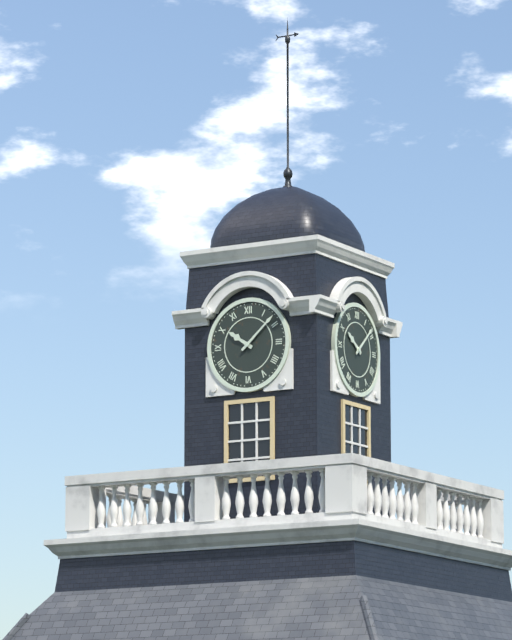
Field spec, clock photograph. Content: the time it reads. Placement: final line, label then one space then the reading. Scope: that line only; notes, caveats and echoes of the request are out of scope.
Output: 10:08
